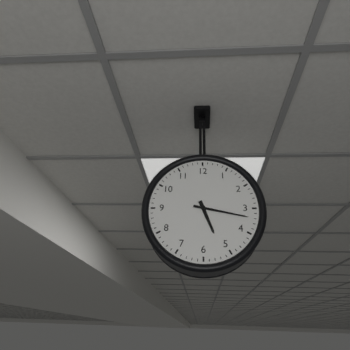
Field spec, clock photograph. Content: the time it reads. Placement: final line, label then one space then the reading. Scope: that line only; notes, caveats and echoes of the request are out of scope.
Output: 5:17
